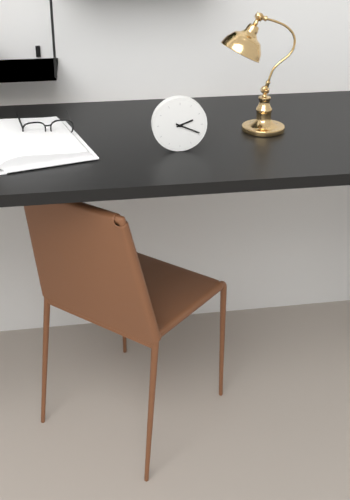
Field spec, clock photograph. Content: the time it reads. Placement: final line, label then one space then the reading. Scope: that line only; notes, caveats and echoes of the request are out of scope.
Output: 2:19
